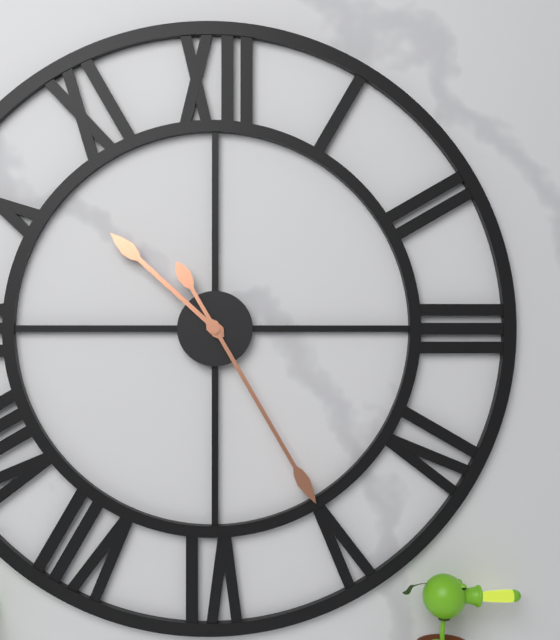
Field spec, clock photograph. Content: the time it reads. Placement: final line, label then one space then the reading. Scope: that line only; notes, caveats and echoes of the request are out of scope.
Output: 10:25
